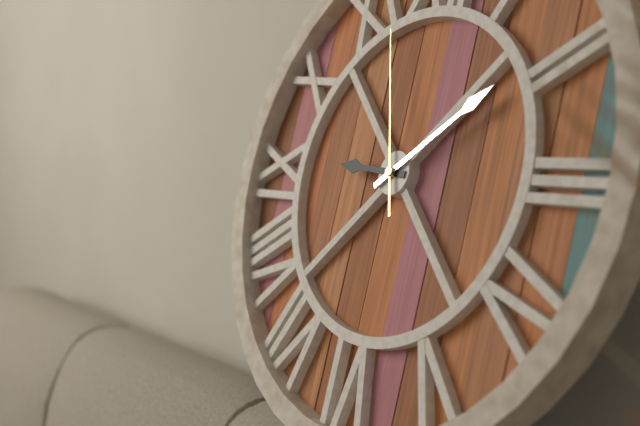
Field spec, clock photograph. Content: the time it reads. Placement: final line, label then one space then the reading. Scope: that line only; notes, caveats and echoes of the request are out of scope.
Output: 9:09:57
